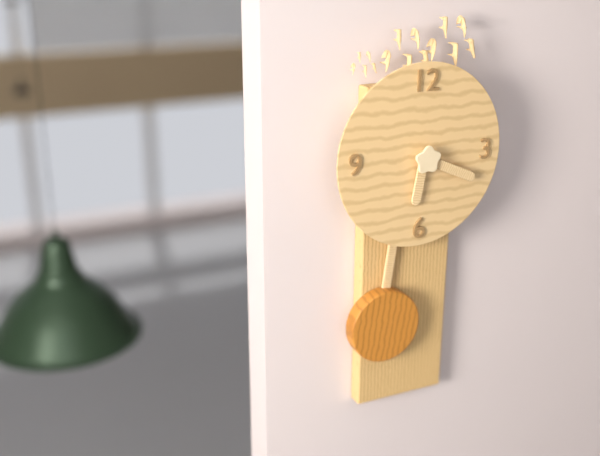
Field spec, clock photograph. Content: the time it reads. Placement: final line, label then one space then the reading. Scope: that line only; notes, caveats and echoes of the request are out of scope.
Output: 6:19
